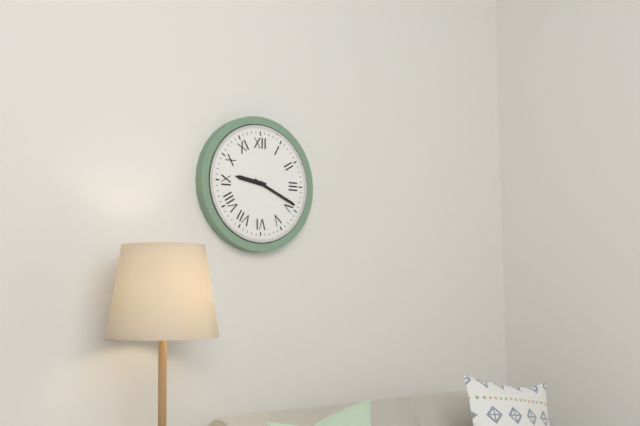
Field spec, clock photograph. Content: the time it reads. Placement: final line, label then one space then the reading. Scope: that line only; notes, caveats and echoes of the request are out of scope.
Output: 9:19
